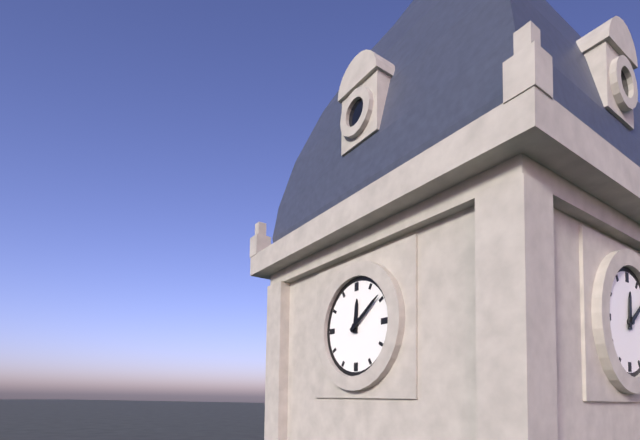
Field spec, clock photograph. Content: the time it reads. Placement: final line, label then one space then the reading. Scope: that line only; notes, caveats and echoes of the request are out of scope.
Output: 12:09
